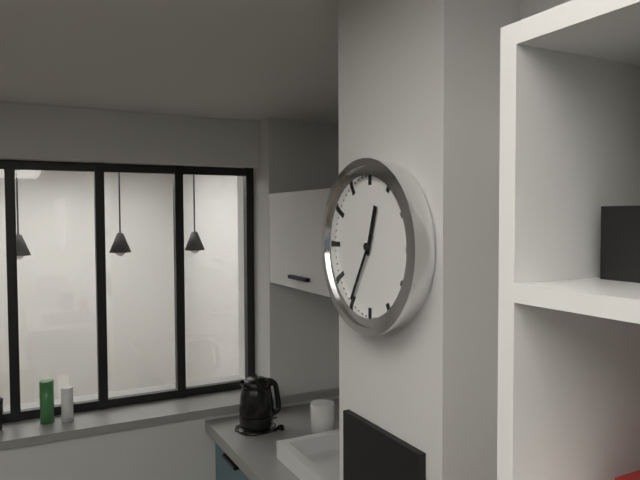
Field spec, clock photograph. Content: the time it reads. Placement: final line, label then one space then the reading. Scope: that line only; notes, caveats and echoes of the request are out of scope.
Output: 12:35
